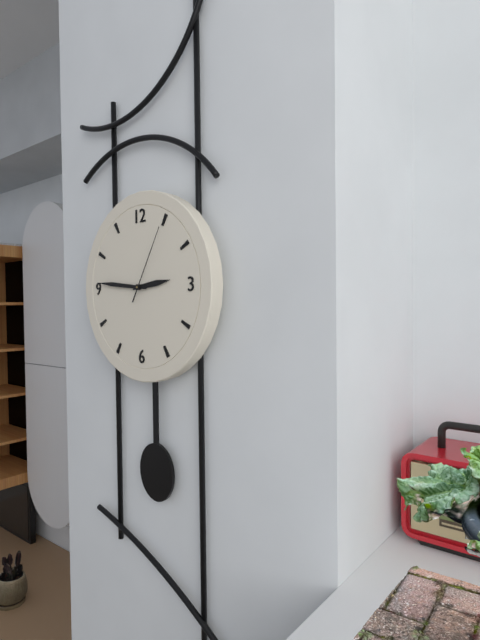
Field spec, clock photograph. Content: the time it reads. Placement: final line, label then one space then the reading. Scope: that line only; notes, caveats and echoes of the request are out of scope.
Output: 2:46:05
